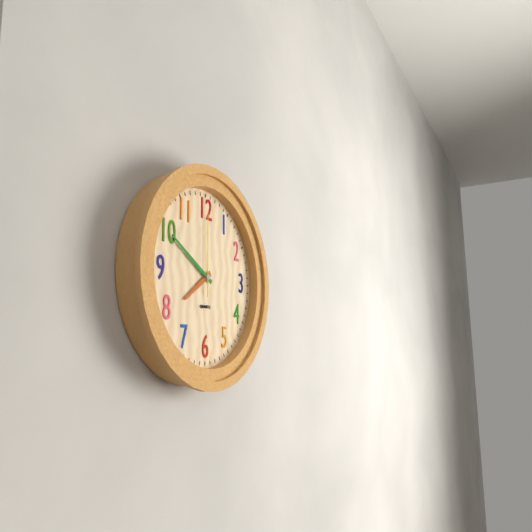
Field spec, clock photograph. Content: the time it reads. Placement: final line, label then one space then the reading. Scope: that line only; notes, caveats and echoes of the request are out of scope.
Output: 7:50:00
